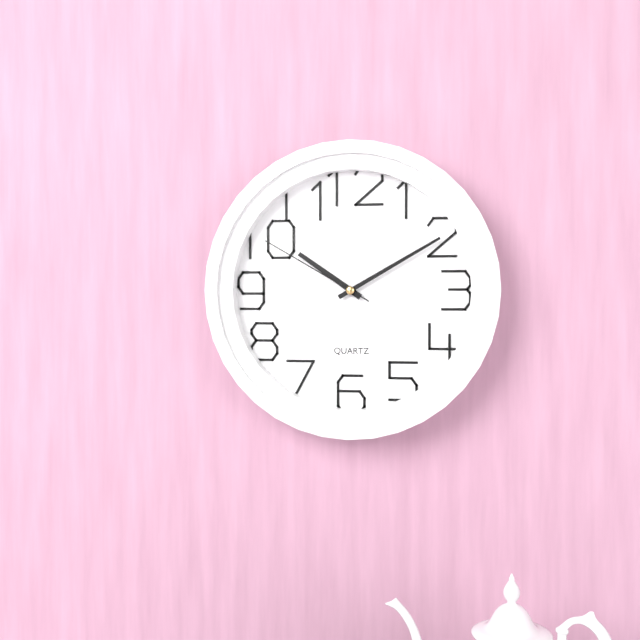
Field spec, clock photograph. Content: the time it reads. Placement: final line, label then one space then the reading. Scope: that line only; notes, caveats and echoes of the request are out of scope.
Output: 10:10:50
